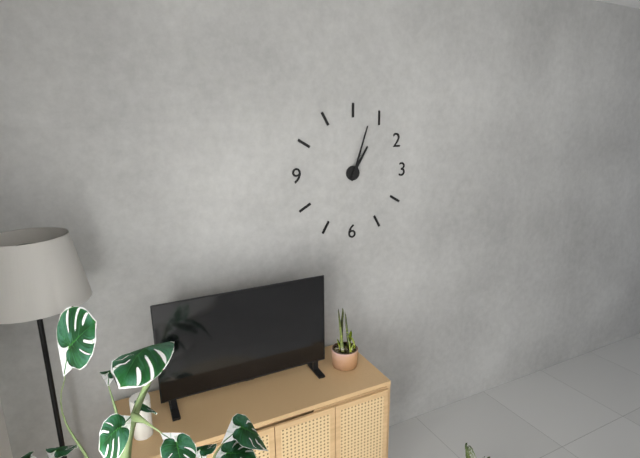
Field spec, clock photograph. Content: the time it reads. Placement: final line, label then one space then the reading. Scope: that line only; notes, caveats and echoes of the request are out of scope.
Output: 1:03
